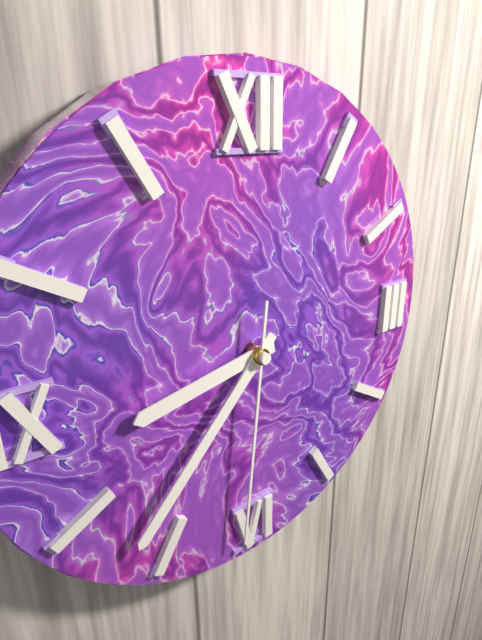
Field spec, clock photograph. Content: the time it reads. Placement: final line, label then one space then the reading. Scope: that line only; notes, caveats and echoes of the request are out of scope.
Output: 8:37:31
